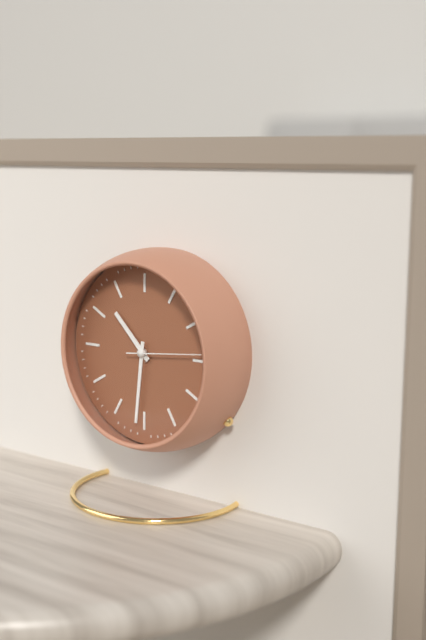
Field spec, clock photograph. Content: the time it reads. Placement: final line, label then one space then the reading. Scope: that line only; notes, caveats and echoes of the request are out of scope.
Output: 10:31:14
